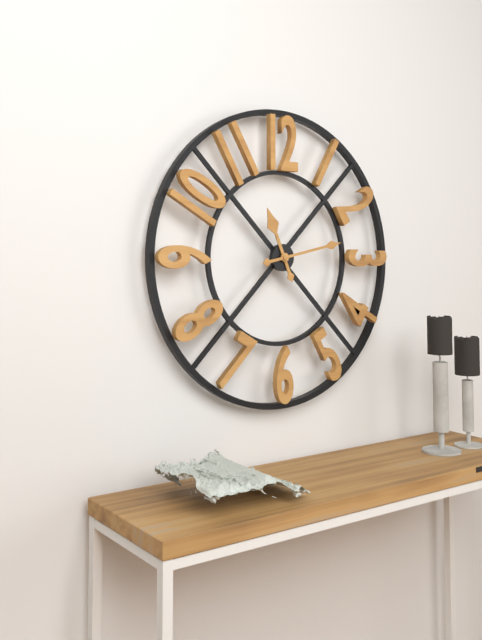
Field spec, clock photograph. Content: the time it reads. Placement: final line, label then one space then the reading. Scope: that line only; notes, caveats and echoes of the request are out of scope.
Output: 11:13
